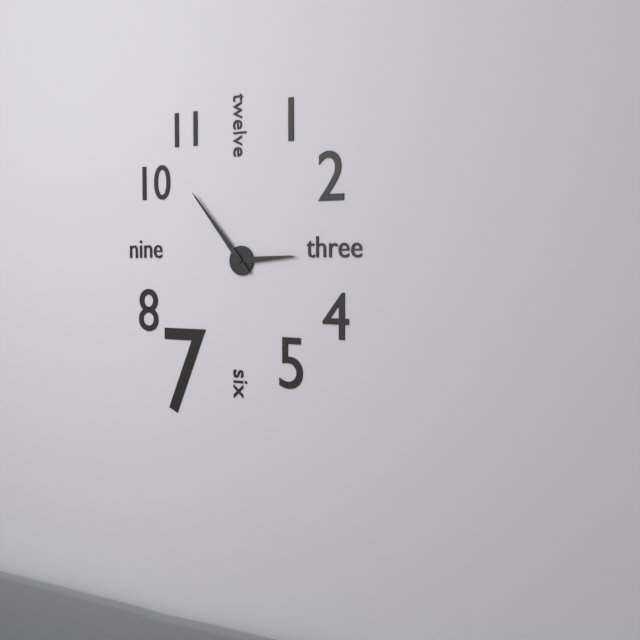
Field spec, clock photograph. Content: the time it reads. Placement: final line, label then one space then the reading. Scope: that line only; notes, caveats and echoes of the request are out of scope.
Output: 2:53
